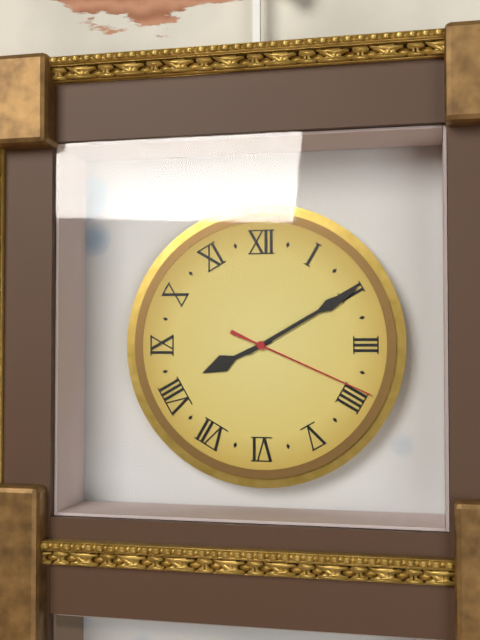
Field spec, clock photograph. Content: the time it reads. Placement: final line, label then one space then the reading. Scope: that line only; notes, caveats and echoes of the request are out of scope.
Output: 8:10:19
